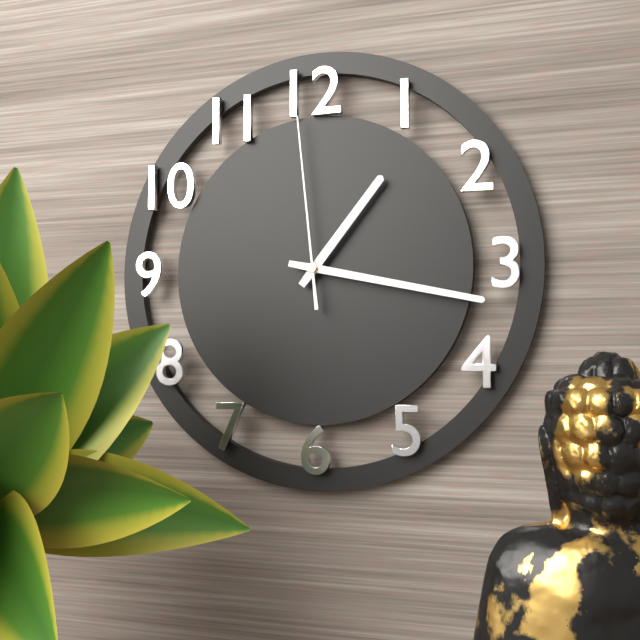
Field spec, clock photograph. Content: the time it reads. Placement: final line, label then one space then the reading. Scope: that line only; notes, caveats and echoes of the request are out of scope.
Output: 1:17:59
